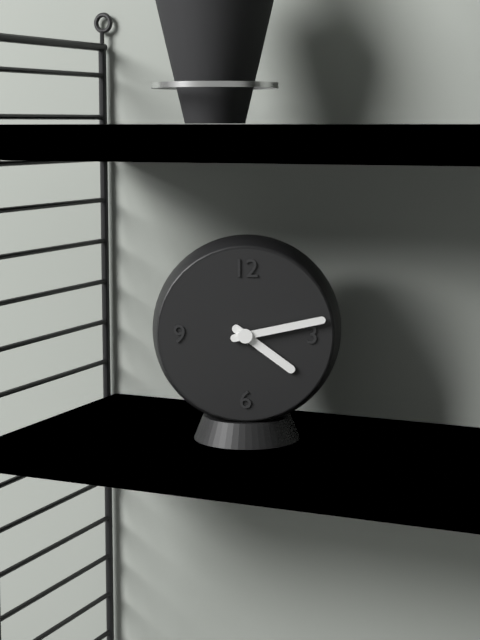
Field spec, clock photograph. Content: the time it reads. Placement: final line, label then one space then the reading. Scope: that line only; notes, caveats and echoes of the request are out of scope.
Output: 4:13
